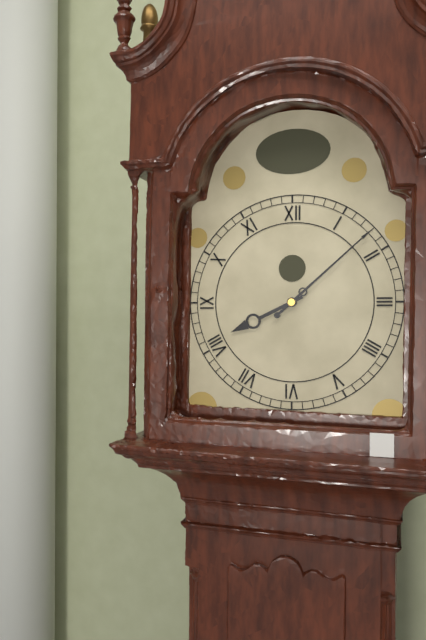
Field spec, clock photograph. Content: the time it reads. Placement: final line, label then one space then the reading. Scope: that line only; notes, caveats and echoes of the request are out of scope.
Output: 8:08
